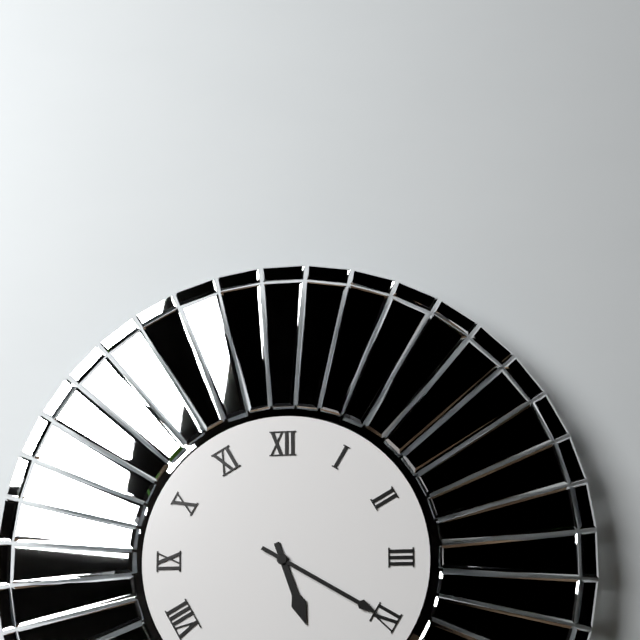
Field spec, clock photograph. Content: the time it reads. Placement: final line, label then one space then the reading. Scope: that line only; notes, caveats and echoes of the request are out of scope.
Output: 5:20
